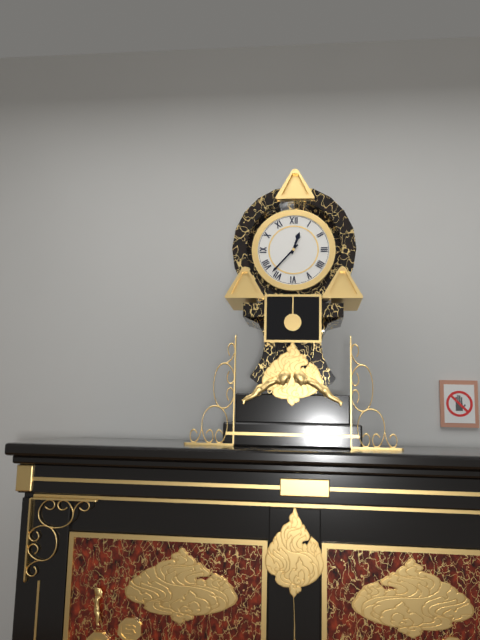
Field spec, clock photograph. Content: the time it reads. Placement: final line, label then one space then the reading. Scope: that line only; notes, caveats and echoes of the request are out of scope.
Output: 12:37
